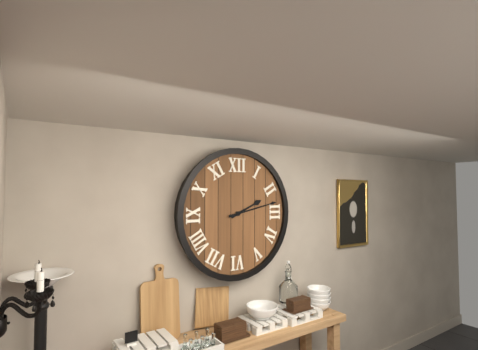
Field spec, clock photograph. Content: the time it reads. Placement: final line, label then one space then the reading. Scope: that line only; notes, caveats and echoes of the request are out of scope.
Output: 2:13
